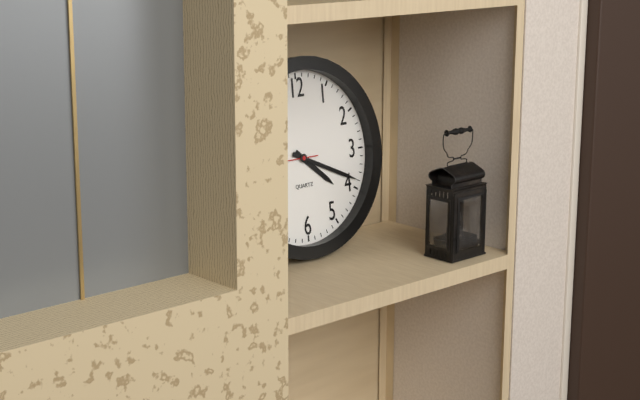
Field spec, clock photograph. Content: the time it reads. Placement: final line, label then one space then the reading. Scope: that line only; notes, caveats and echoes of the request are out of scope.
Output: 4:19
